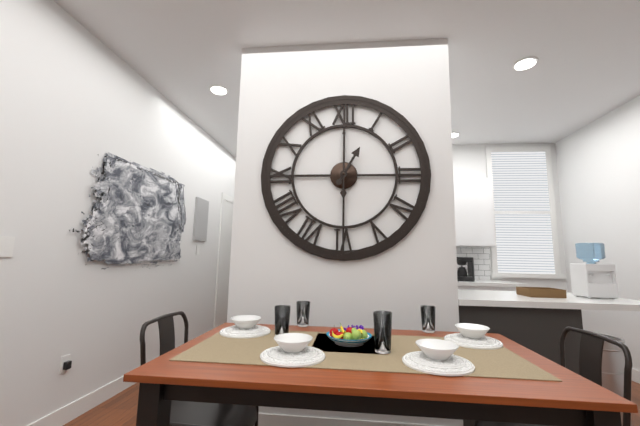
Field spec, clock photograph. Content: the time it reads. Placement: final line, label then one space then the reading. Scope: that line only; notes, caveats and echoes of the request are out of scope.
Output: 1:00
